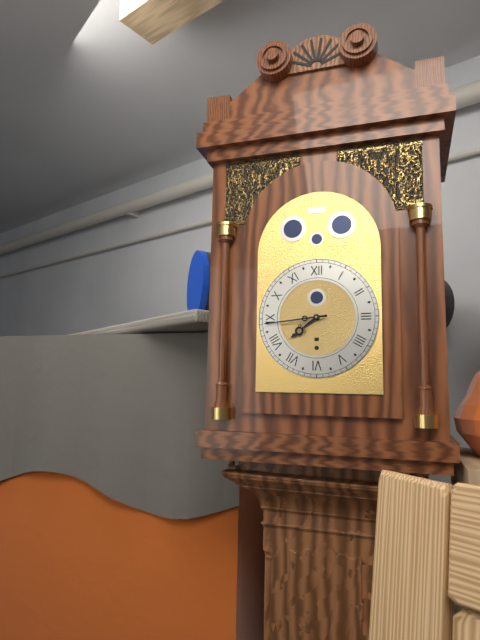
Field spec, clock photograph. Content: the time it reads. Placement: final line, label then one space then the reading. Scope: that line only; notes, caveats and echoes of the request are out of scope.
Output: 7:44
